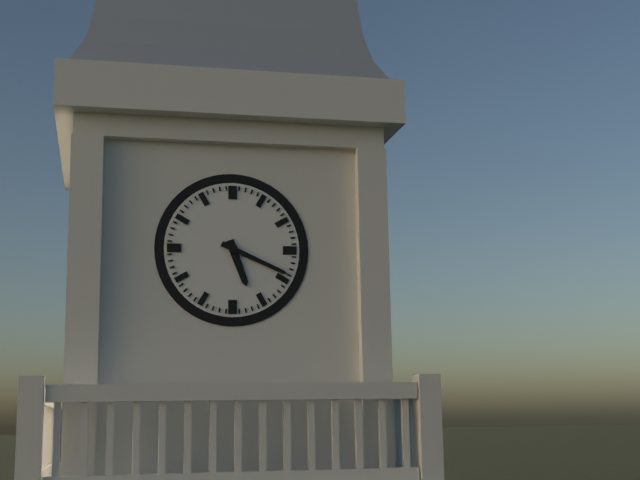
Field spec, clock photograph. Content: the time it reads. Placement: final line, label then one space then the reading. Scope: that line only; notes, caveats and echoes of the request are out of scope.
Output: 5:19
